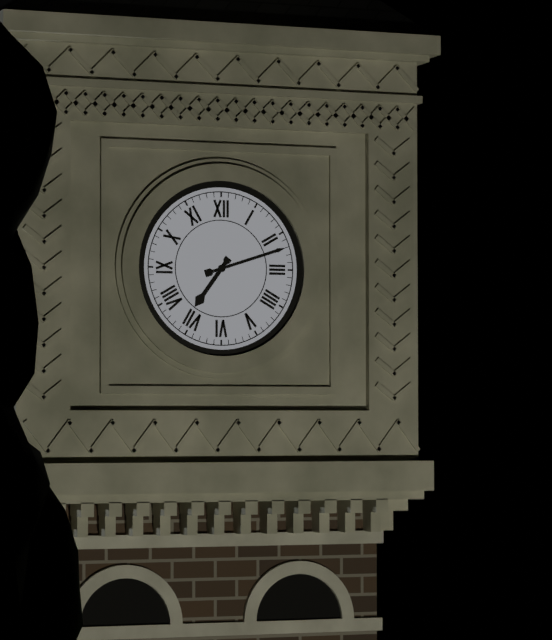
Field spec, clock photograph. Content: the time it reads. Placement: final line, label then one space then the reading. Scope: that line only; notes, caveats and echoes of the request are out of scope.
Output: 7:12
